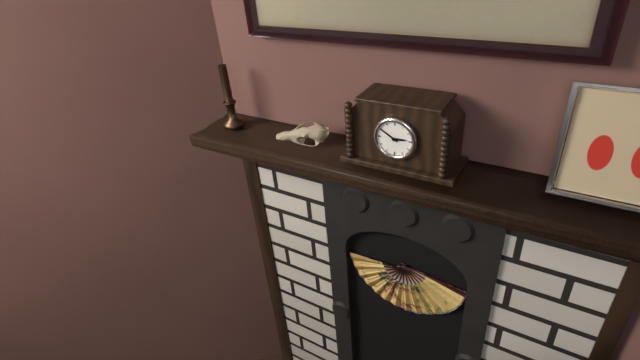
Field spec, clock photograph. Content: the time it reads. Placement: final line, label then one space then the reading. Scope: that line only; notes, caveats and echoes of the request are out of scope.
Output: 2:50
